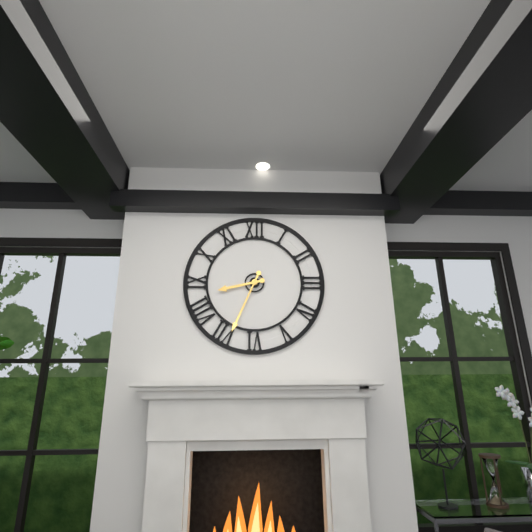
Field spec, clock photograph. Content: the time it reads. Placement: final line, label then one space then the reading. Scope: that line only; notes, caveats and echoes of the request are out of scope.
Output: 8:34
